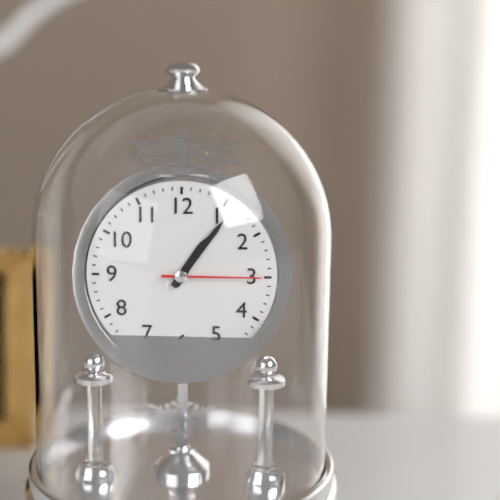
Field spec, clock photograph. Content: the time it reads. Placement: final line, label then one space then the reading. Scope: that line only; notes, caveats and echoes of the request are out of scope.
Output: 1:06:15
